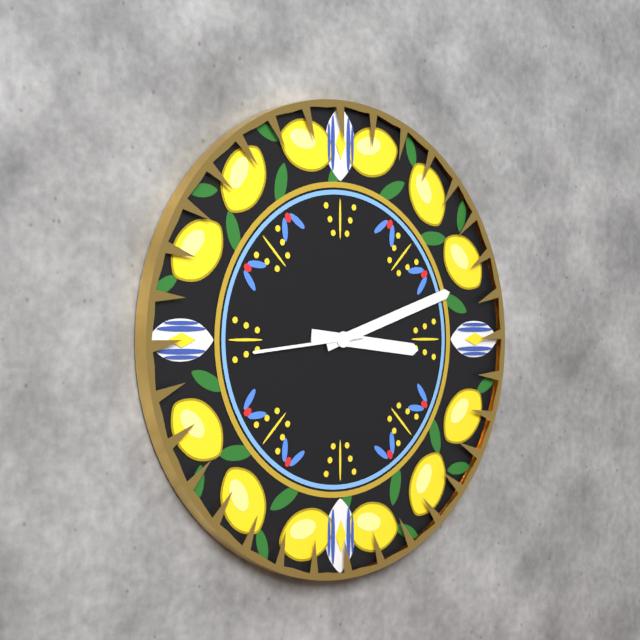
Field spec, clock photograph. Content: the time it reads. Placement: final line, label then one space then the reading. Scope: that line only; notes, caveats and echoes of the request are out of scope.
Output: 3:12:44
